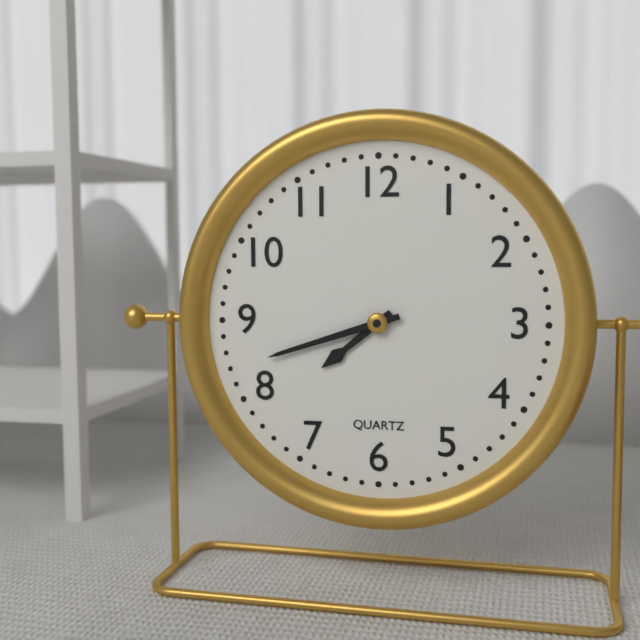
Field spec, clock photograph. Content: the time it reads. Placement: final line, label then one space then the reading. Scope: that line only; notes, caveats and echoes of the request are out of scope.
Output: 7:42
